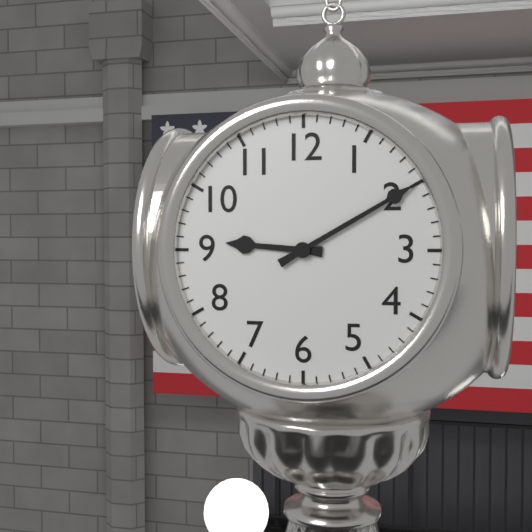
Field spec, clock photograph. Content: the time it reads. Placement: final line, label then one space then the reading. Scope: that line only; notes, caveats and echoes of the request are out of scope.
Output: 9:10
